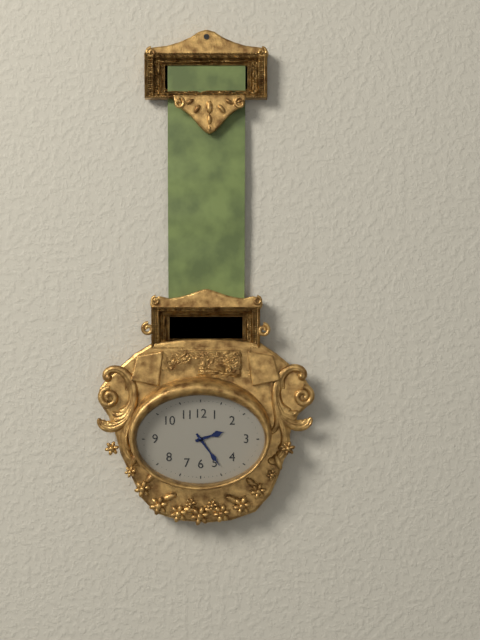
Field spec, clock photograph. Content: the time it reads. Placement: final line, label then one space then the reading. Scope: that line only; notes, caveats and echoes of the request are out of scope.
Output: 2:24
